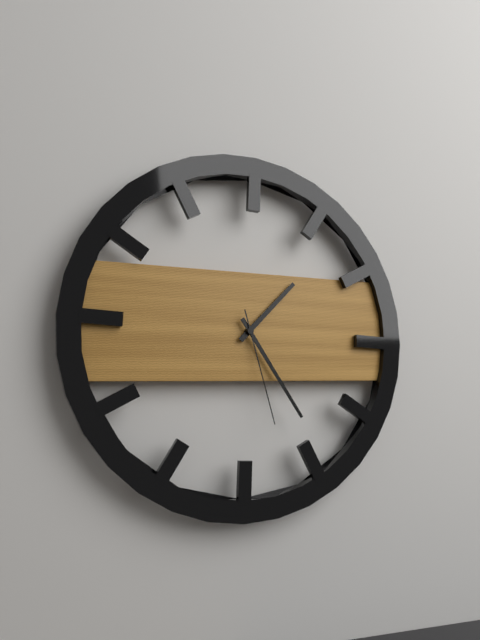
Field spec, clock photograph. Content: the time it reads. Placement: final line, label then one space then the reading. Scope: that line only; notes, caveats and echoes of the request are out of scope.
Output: 1:24:27
